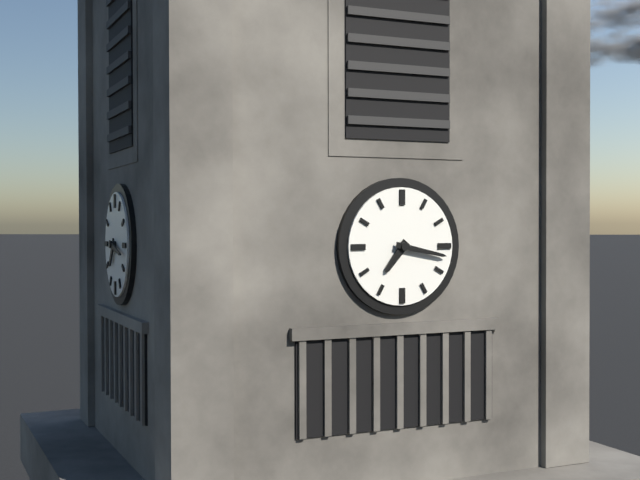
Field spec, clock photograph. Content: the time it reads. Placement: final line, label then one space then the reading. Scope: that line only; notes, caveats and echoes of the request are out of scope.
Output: 7:17
